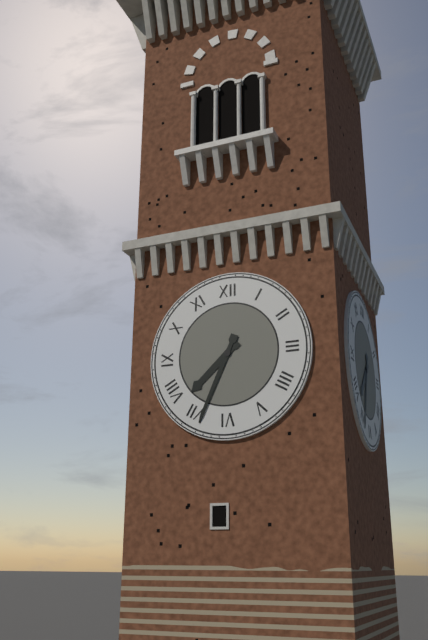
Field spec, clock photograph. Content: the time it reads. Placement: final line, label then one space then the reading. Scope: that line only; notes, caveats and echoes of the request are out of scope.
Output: 7:34
